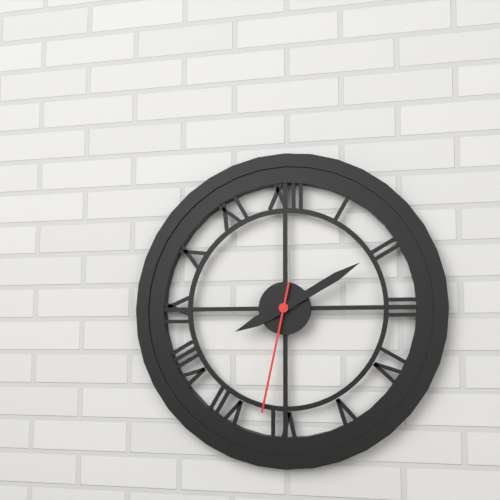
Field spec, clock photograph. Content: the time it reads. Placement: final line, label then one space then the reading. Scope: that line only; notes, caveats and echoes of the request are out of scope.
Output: 8:10:32
